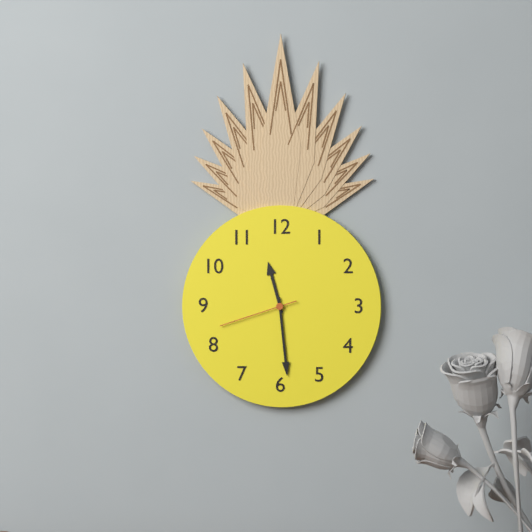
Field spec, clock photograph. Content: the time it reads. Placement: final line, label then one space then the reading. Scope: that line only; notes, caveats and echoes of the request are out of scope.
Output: 11:29:42
